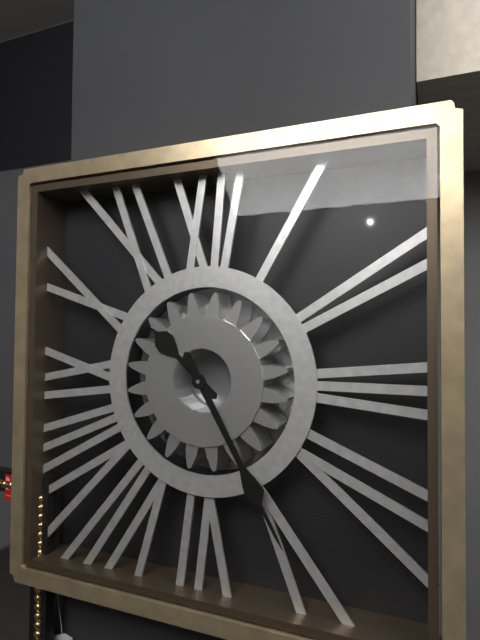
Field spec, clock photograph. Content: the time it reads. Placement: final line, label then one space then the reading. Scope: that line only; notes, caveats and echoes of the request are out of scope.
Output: 10:25
